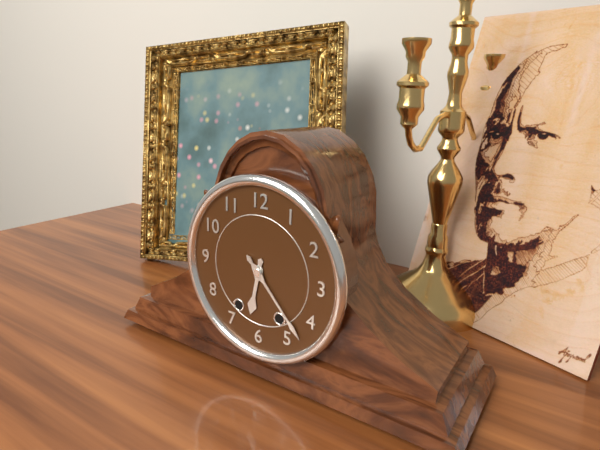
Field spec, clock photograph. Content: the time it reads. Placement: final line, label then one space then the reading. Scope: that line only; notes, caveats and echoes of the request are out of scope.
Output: 6:23
